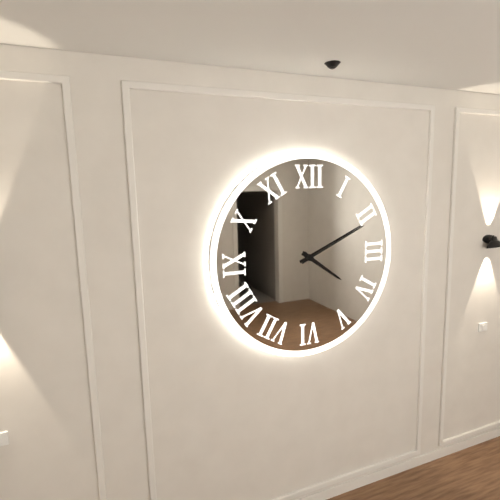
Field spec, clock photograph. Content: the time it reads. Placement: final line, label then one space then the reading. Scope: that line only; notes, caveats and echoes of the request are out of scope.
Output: 4:11
